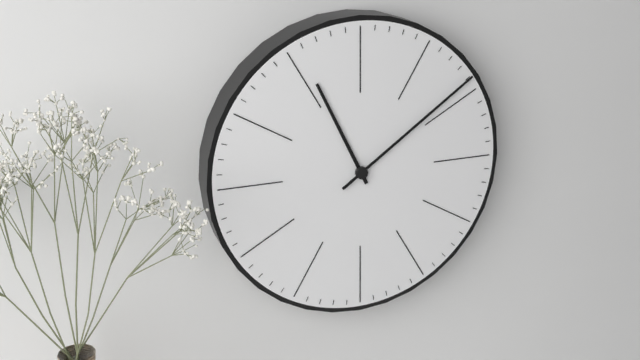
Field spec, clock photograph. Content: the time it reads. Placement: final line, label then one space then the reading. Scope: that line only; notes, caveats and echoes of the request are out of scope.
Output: 11:09
